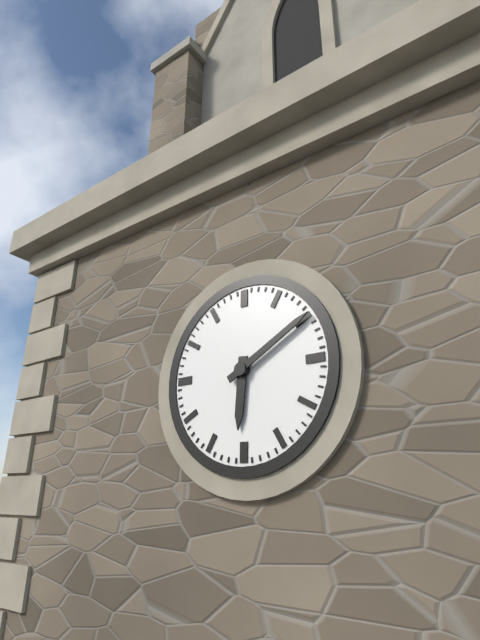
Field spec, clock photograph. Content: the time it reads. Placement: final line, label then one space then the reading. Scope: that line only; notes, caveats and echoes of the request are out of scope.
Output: 6:10
